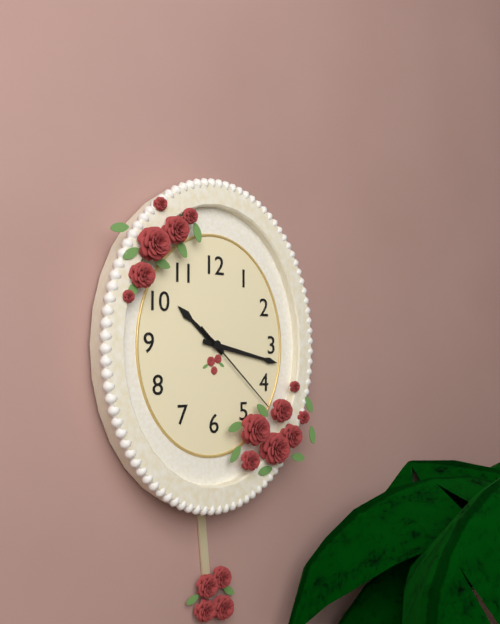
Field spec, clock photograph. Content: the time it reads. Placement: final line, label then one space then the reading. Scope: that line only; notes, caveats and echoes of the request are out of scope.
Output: 10:17:22
